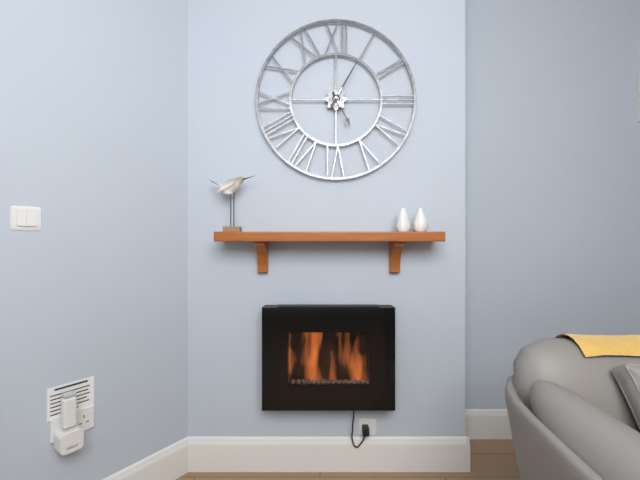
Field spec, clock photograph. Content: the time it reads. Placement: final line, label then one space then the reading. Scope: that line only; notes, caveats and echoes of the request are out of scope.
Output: 5:05
